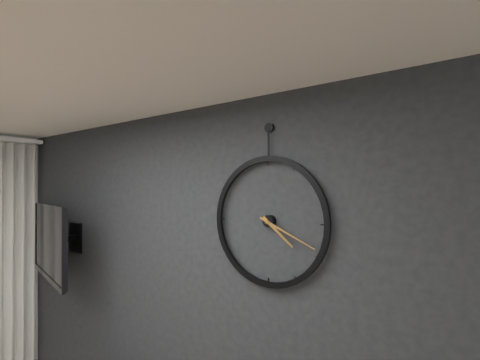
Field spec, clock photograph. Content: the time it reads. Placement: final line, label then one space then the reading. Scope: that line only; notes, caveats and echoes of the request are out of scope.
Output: 4:19
